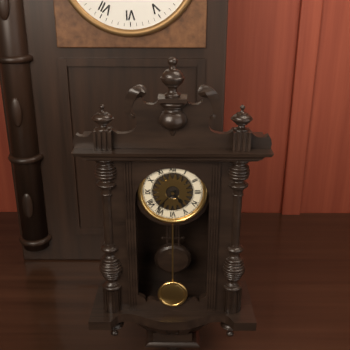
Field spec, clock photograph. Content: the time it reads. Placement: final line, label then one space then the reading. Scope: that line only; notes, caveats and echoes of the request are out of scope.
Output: 4:37
